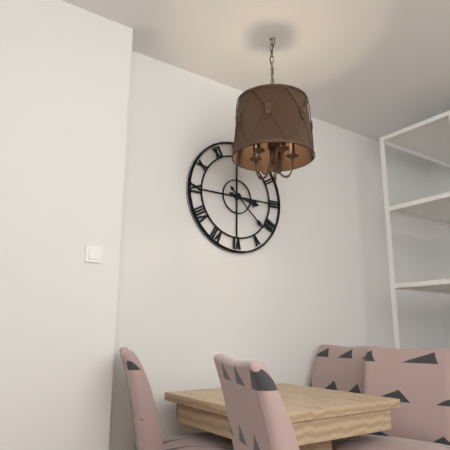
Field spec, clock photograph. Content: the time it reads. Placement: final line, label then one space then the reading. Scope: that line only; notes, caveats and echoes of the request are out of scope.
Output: 3:22
